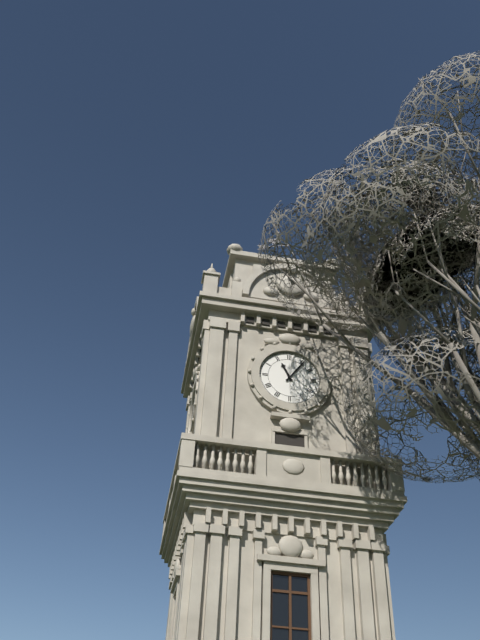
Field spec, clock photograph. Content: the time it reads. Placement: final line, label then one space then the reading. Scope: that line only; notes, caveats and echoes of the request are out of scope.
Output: 11:06
